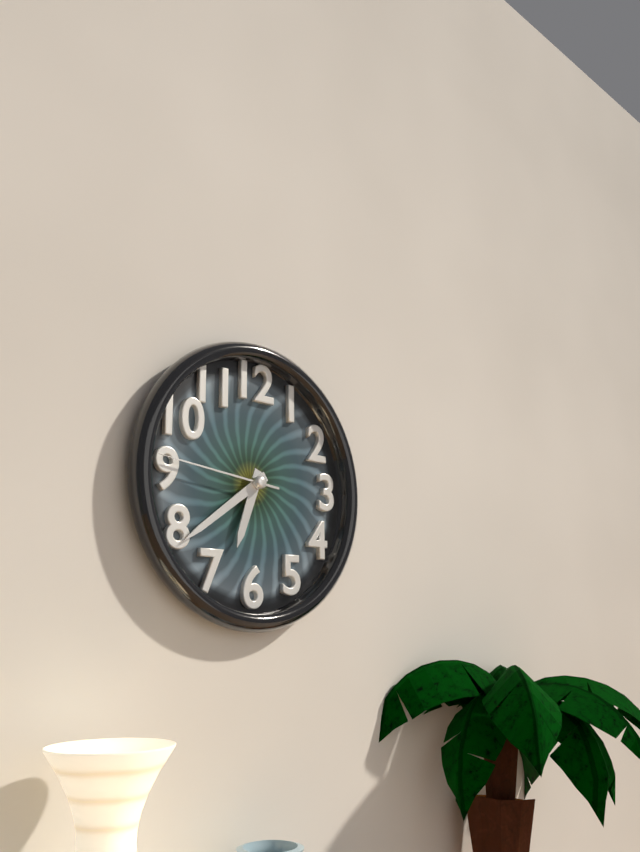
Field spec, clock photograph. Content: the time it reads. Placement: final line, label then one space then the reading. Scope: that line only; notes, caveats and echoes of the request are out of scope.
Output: 6:39:46
